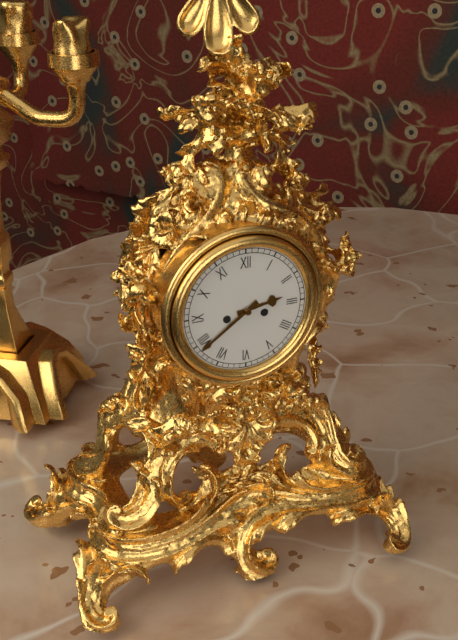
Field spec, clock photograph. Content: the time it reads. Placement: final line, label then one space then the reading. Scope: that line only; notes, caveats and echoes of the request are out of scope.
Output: 2:39
